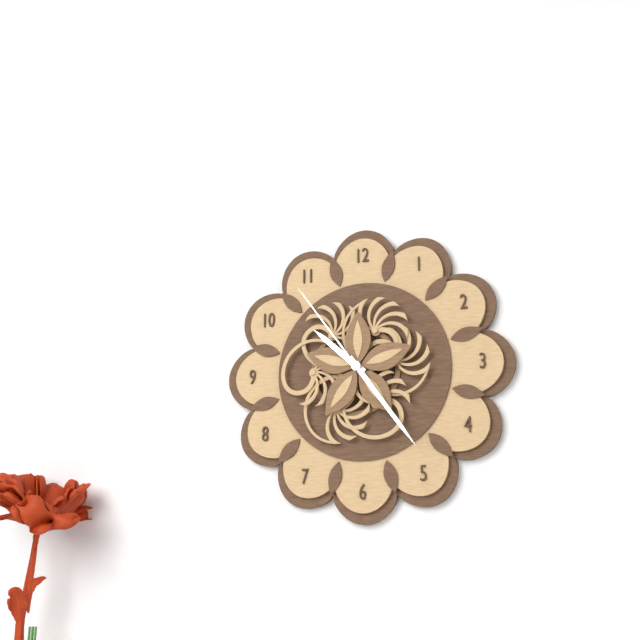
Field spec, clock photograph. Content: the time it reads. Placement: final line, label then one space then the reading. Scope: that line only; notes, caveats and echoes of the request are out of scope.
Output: 10:24:54
